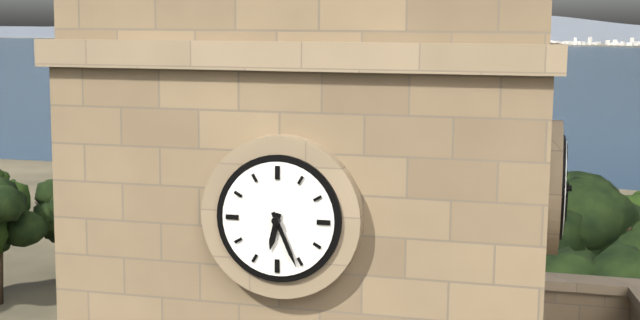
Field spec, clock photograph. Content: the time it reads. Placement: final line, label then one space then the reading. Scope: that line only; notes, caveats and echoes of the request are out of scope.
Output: 6:26
